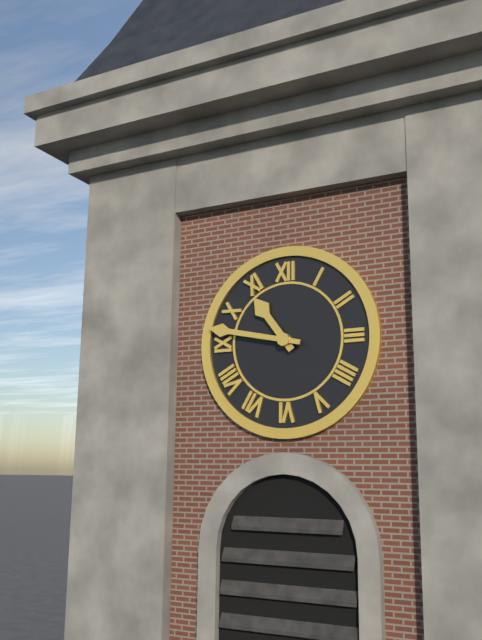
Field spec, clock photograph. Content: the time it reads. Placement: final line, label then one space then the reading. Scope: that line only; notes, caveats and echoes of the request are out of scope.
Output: 10:47
